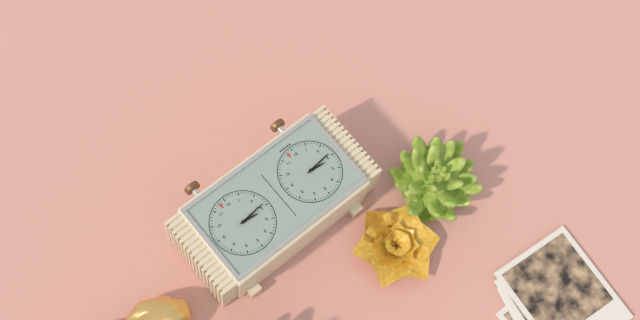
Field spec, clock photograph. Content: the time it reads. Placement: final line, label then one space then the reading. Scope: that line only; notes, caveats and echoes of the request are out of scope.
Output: 3:14
